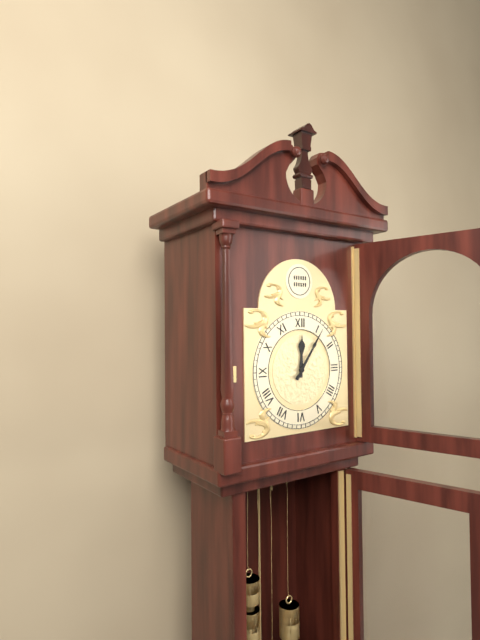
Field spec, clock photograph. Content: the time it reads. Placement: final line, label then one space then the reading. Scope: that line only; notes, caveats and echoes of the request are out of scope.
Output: 12:06
